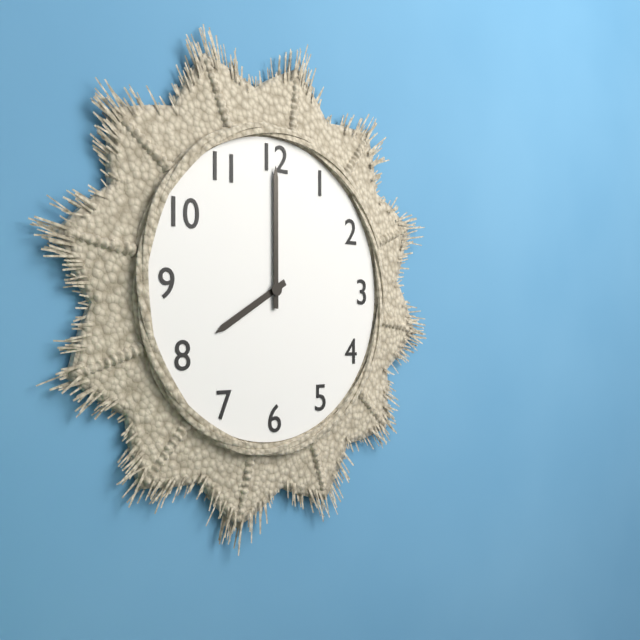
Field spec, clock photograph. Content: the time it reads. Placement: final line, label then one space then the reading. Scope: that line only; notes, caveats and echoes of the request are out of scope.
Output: 8:00
